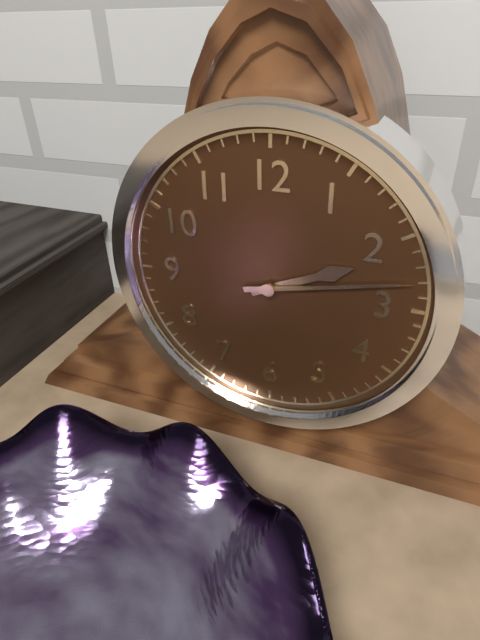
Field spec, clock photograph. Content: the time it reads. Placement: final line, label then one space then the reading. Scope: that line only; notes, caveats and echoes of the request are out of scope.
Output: 2:13
